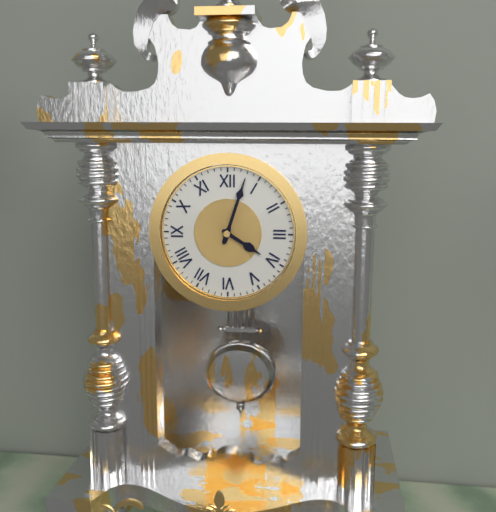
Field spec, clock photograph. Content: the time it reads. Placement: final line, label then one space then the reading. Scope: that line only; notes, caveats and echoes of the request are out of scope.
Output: 4:03
